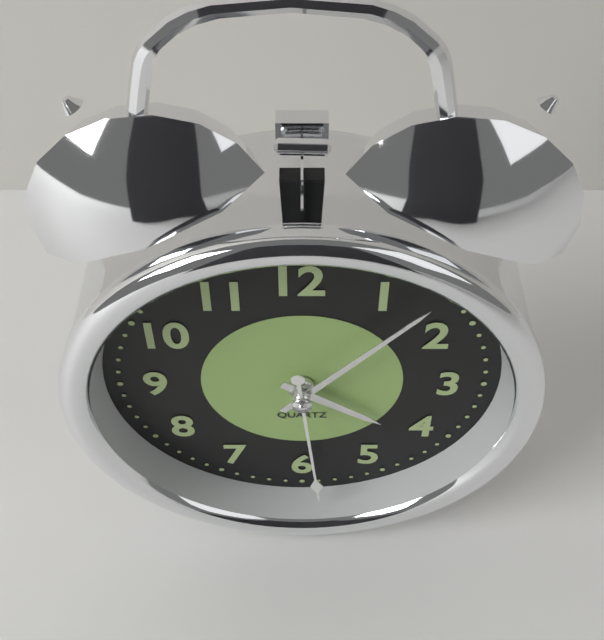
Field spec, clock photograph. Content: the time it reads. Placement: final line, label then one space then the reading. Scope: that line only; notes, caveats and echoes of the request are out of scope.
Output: 4:07:29
